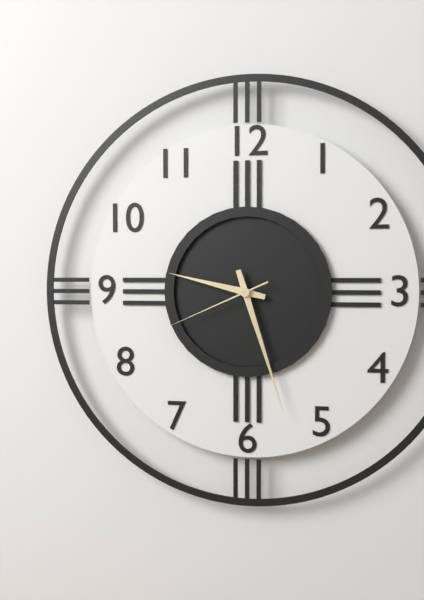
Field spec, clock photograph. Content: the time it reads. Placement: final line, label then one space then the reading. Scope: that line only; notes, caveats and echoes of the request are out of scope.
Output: 9:27:41
